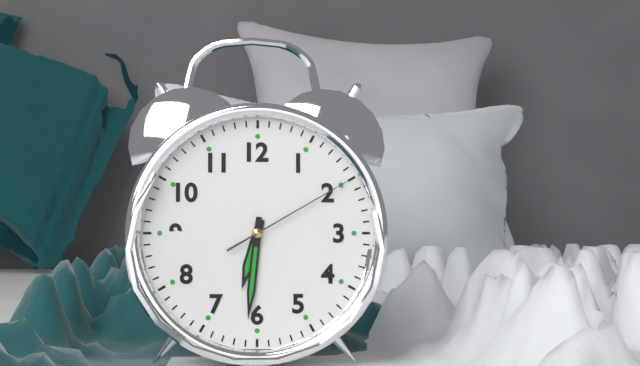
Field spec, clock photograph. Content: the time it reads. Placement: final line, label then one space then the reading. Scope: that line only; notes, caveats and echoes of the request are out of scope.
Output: 6:31:10
